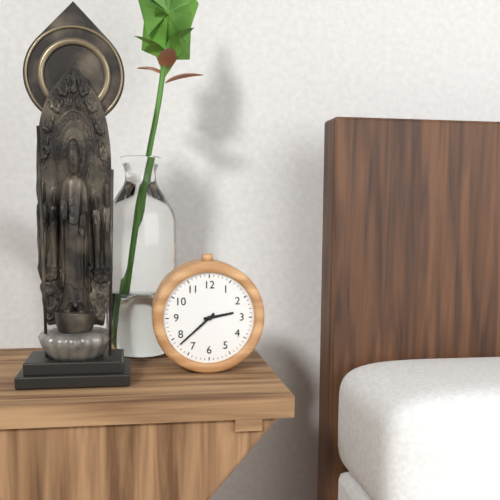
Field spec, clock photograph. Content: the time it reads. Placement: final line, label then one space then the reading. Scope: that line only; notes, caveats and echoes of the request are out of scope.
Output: 2:38
